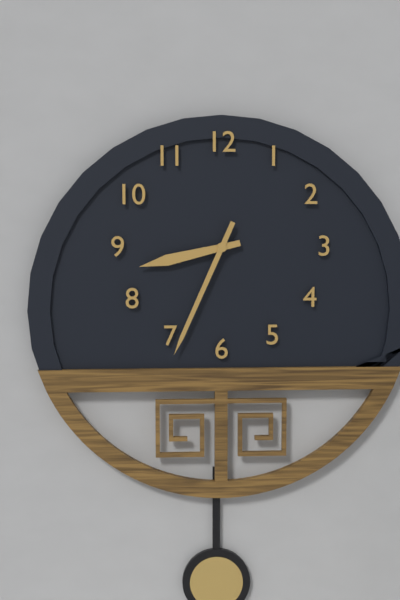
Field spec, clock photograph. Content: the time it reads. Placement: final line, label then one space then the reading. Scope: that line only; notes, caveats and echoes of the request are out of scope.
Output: 8:34
